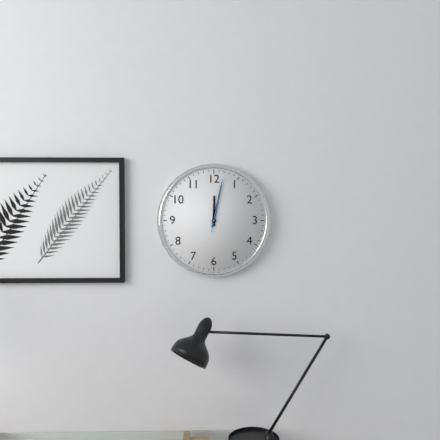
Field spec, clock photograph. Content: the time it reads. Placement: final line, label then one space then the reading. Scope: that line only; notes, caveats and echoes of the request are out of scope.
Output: 12:02:02
